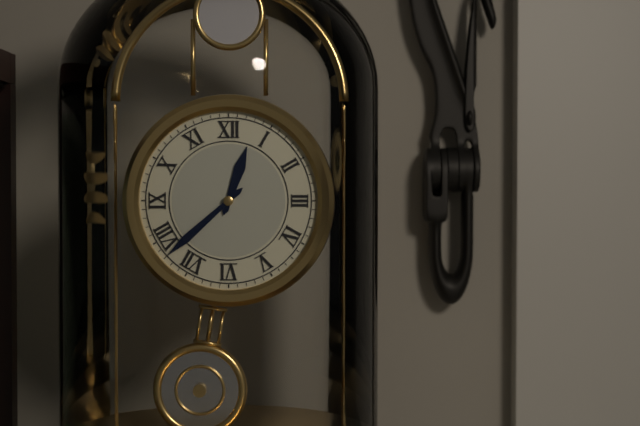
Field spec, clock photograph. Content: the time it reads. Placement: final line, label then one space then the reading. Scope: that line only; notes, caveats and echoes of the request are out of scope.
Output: 12:38
